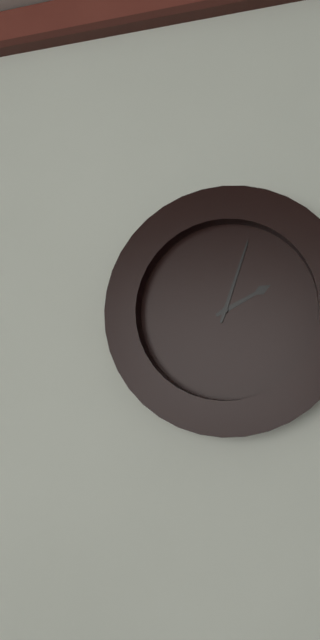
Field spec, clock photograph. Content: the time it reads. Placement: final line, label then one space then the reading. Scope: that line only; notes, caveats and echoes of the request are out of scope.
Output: 2:03
